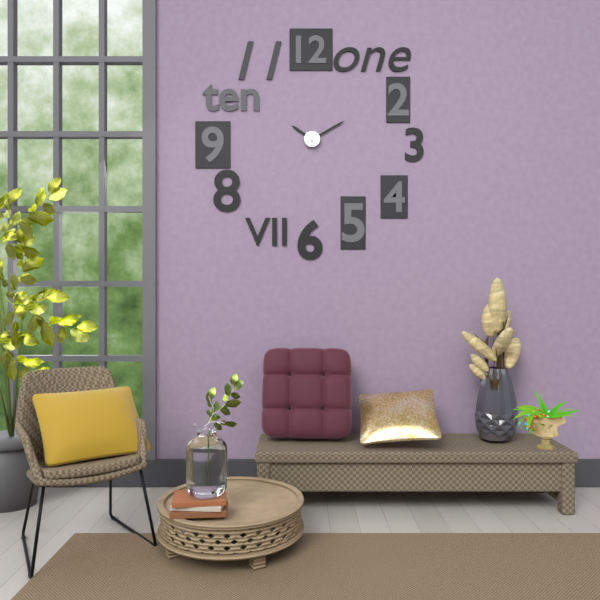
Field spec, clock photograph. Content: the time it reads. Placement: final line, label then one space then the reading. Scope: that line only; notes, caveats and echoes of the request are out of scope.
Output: 10:10
